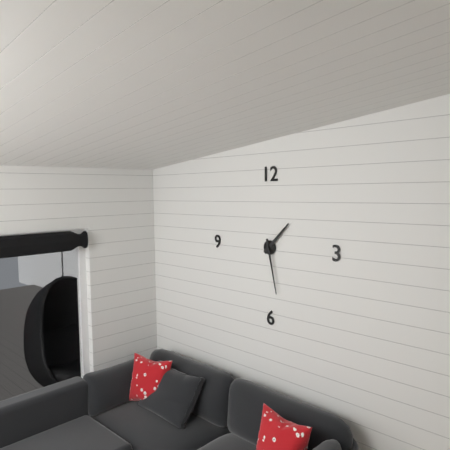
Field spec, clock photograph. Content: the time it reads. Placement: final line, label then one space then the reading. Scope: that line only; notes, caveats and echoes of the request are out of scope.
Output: 1:28
